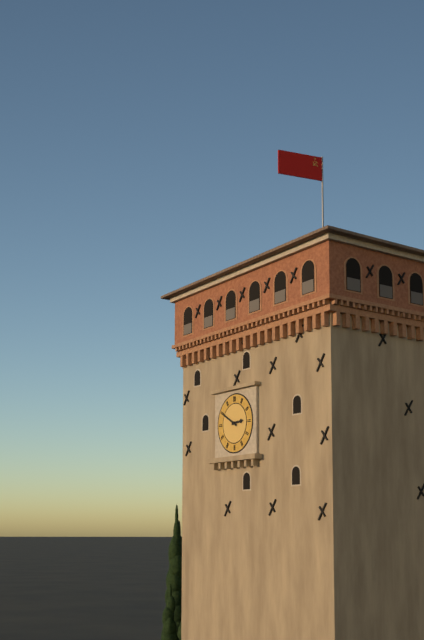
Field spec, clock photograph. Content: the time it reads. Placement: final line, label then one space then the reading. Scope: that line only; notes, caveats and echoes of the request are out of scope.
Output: 2:50
